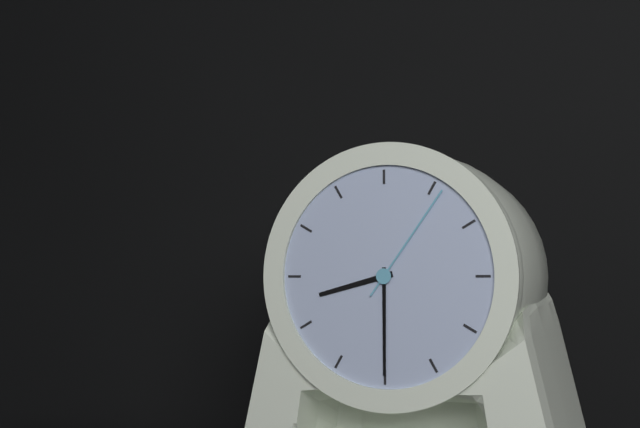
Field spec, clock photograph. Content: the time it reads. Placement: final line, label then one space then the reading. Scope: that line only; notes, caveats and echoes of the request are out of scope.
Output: 8:30:06
